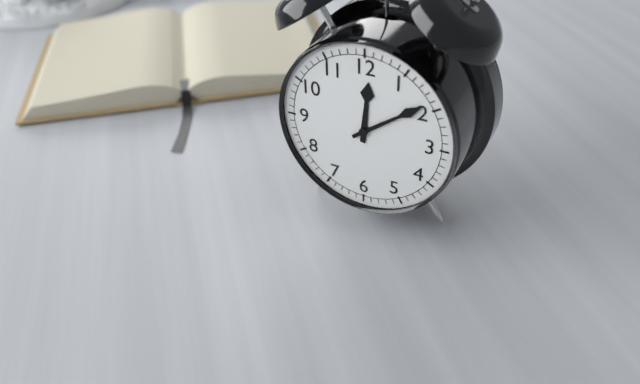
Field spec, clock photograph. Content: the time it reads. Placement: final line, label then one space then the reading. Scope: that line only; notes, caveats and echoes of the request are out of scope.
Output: 12:09
